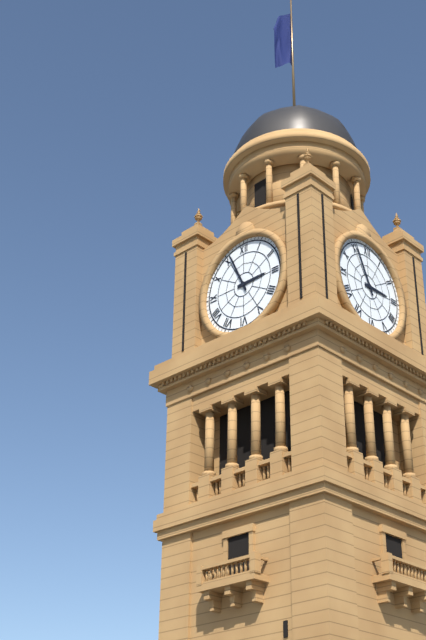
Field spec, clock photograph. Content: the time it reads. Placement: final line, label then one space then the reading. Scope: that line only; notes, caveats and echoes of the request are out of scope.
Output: 2:56
